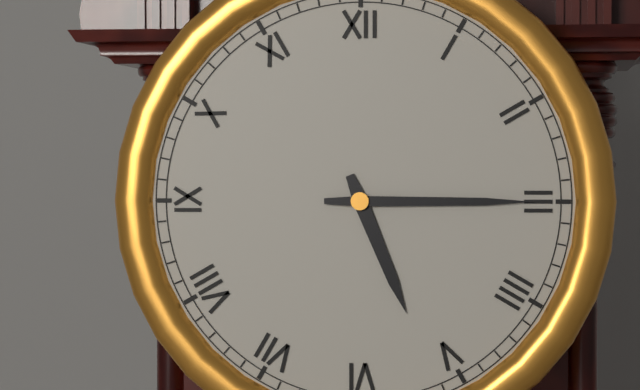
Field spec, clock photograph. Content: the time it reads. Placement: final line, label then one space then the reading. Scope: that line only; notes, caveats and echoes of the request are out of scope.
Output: 5:15
